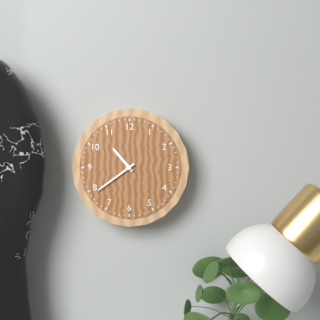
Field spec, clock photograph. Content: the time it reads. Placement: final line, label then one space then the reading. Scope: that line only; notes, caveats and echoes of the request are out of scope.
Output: 10:39
